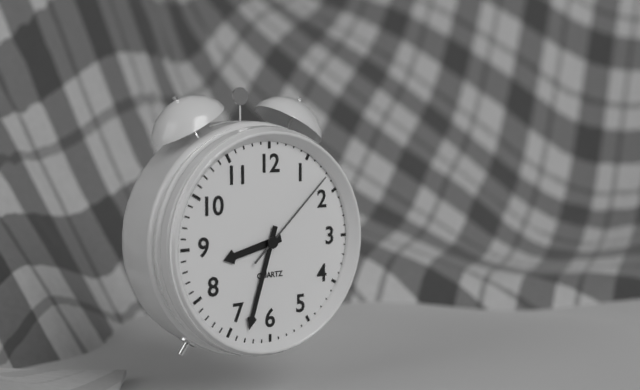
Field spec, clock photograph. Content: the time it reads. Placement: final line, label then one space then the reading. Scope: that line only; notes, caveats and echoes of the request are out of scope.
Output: 8:33:08
